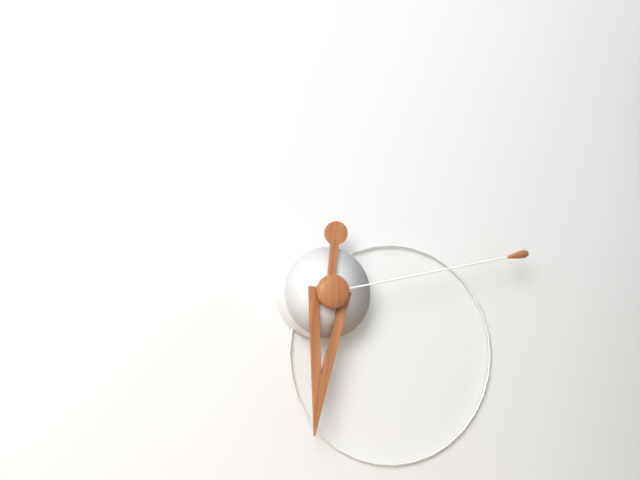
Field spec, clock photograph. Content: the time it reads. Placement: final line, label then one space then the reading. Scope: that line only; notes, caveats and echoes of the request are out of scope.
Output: 6:13
